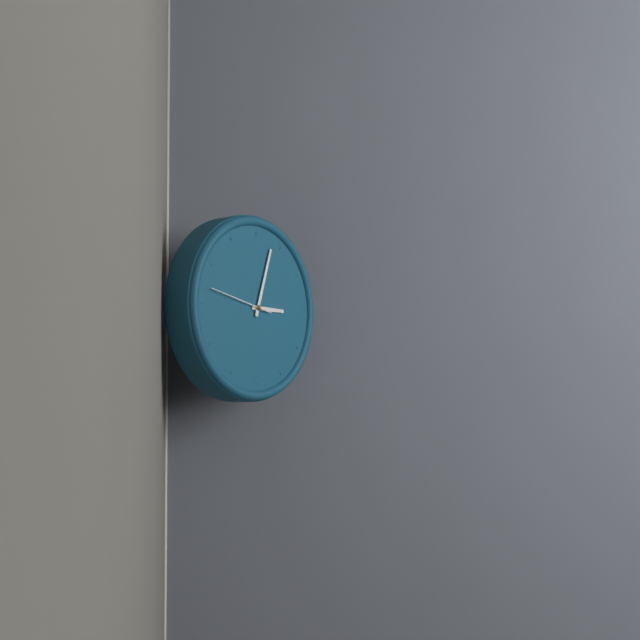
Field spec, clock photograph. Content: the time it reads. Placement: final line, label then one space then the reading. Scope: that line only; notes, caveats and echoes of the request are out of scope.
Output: 3:03:47
